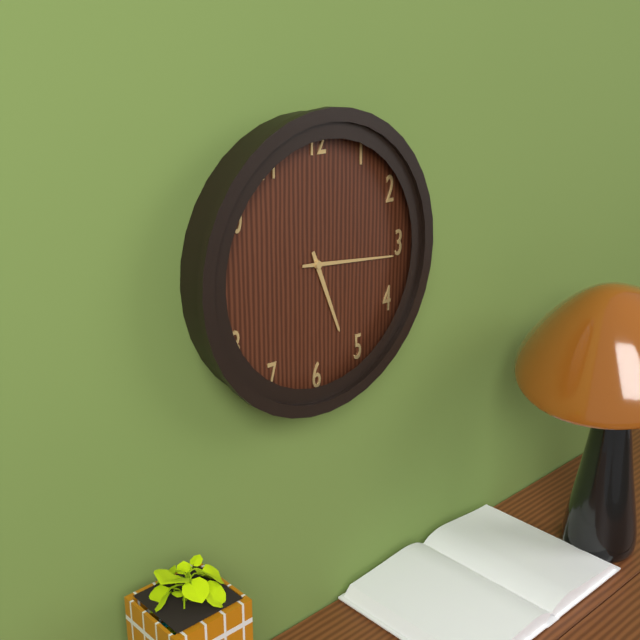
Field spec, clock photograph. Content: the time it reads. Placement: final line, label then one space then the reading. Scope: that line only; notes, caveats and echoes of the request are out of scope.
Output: 5:16
